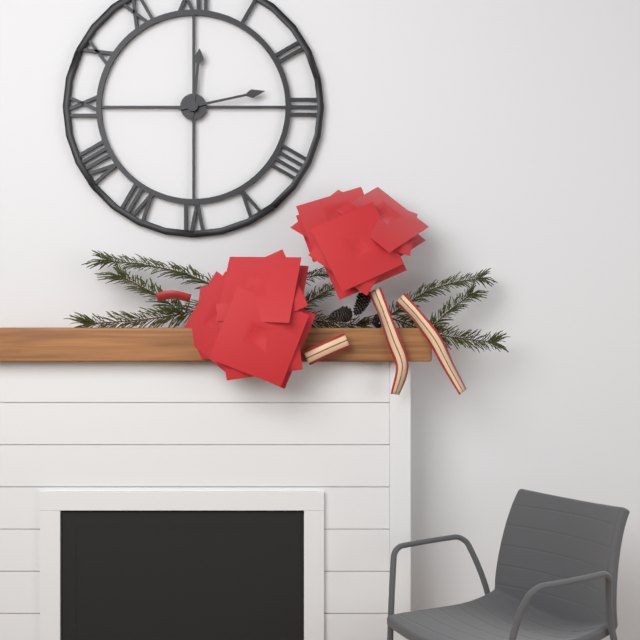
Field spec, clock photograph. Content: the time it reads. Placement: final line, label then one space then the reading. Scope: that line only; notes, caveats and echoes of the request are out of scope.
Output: 12:13
